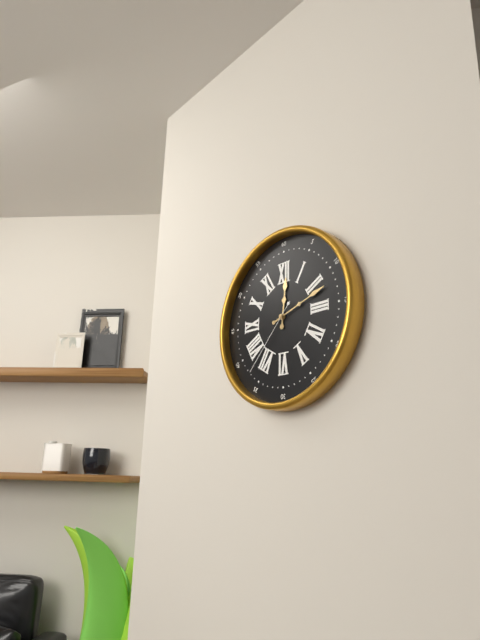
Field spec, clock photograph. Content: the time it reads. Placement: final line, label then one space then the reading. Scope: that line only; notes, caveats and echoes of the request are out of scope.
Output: 12:12:37
